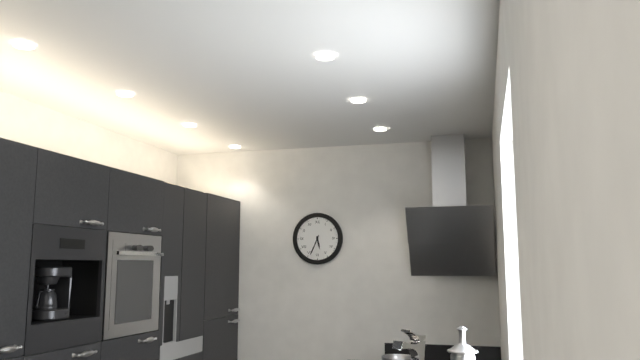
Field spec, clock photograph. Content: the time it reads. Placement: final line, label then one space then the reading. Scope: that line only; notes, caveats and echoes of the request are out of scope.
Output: 5:34
